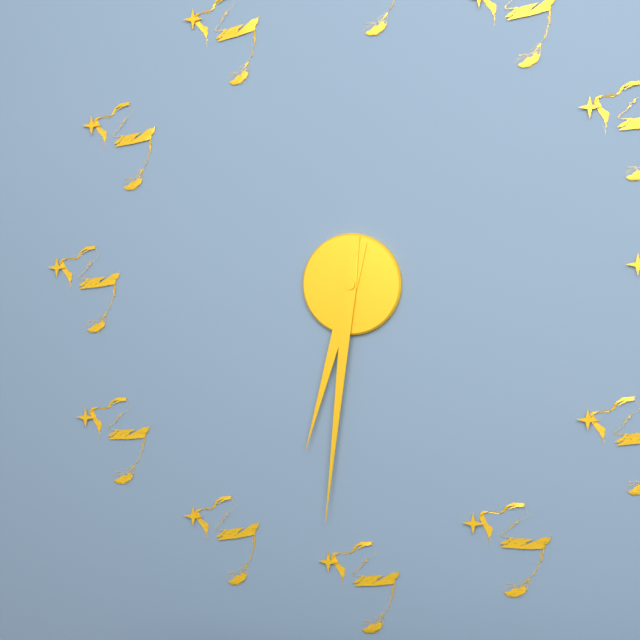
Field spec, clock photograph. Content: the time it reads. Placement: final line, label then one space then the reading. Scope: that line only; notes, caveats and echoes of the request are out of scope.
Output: 6:31
